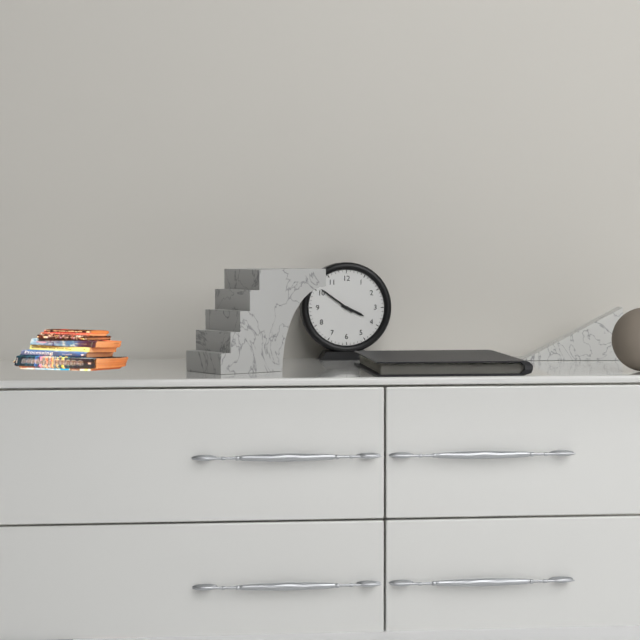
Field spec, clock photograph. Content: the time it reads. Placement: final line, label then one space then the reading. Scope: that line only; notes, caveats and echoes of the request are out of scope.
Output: 3:51
